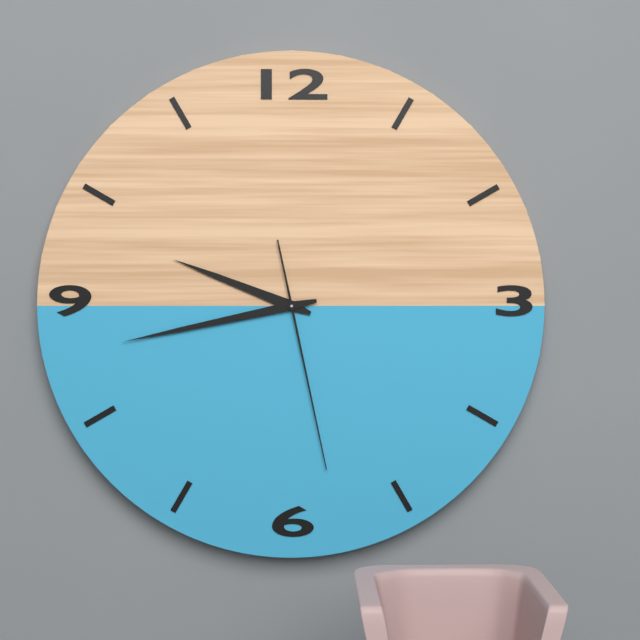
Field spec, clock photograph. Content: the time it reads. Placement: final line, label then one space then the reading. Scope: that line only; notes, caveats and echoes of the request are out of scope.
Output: 9:43:28
